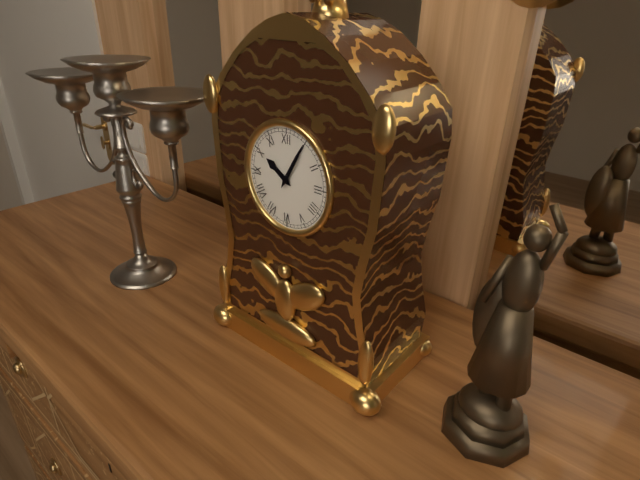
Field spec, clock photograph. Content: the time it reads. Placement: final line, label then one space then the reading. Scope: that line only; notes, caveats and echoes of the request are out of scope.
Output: 10:05
